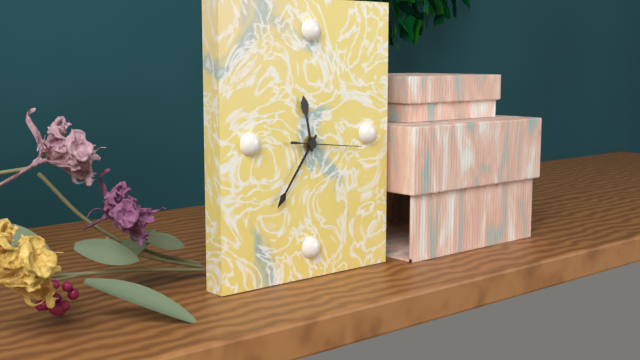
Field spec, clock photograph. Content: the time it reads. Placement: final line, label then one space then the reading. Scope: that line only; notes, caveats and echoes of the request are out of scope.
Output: 11:36:16
